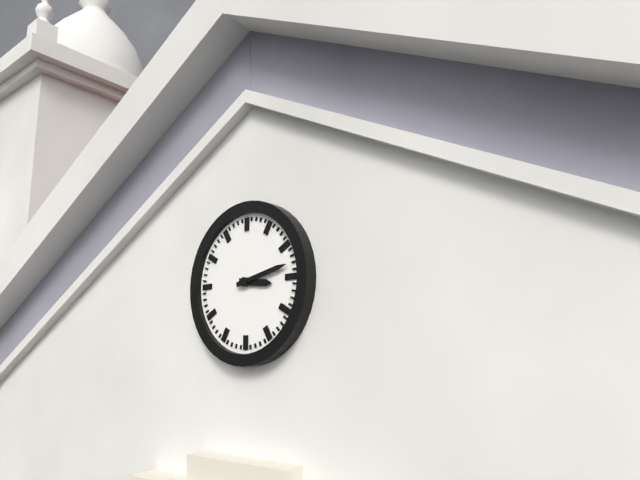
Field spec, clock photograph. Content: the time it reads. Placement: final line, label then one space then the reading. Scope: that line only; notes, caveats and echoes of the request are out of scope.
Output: 3:13
